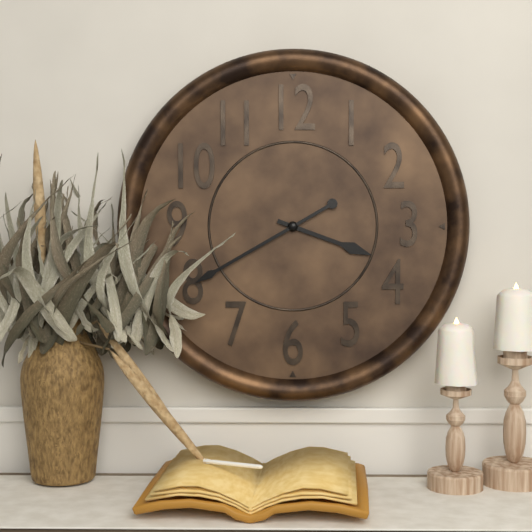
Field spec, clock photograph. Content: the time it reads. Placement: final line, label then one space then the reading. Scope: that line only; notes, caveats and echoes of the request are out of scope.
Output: 3:40
